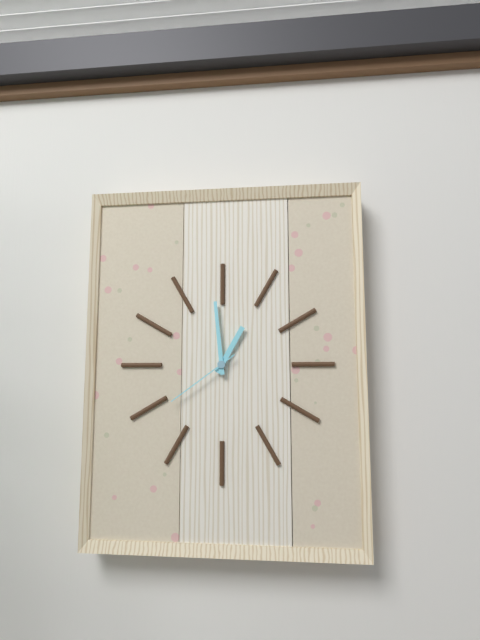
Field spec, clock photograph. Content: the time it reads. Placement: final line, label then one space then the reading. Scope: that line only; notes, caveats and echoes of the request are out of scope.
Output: 12:59:39
